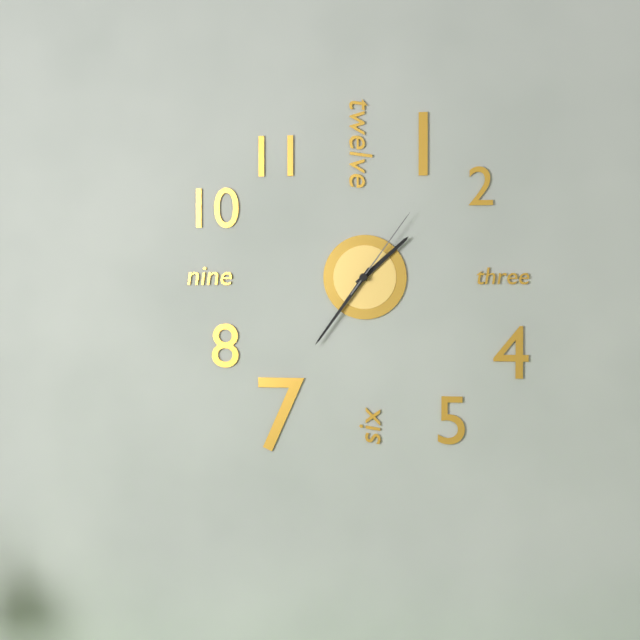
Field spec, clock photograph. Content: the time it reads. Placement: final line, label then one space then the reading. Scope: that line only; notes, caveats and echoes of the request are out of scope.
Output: 1:36:06
